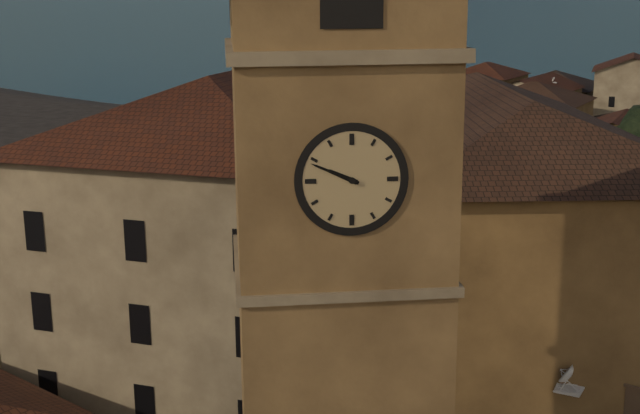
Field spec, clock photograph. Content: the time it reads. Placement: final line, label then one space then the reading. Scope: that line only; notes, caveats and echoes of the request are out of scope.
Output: 9:49
